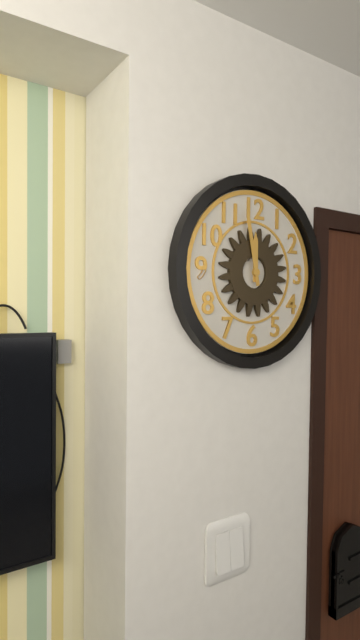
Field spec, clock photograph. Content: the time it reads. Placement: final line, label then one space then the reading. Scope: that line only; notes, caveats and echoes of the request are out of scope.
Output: 11:58
